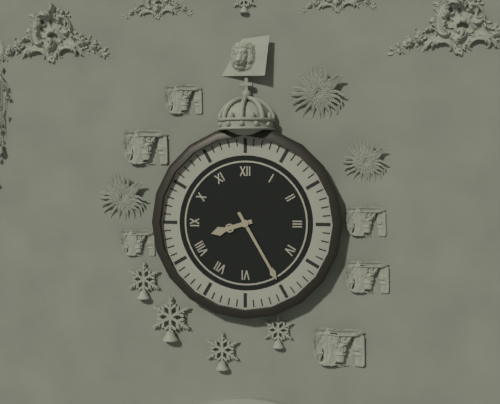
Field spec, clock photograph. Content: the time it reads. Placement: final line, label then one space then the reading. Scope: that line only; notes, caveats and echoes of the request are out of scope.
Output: 8:25
